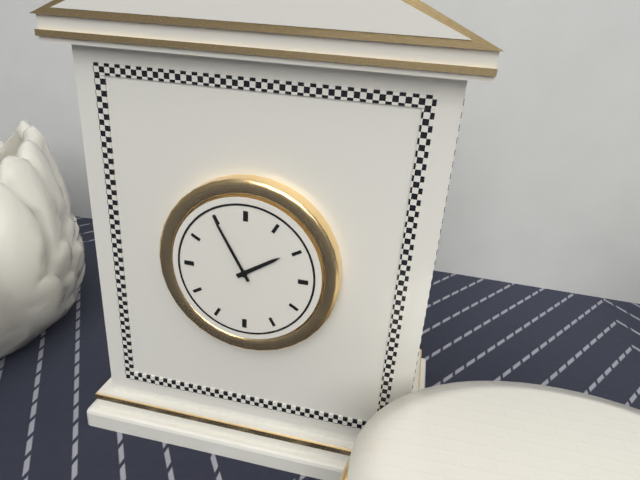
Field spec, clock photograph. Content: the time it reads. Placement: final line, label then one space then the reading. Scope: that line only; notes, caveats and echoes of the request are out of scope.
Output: 1:55
